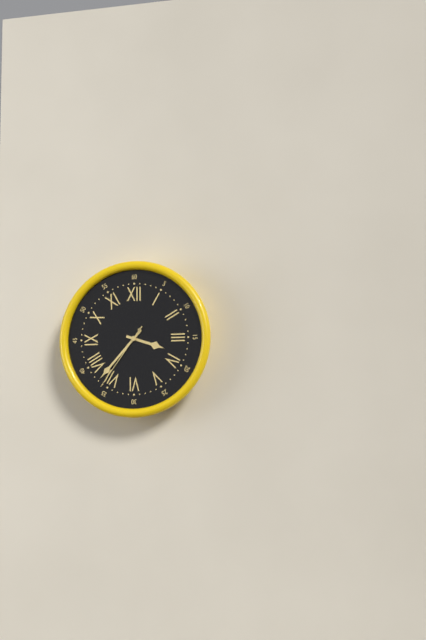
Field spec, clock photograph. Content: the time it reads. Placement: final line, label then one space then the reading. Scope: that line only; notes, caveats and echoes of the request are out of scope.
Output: 3:37:36
